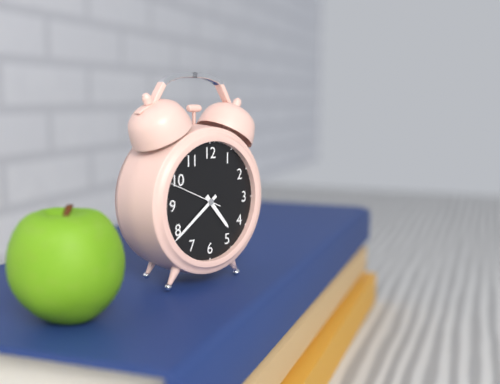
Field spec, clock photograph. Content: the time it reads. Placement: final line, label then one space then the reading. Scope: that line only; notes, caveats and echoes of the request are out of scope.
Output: 4:39:49
